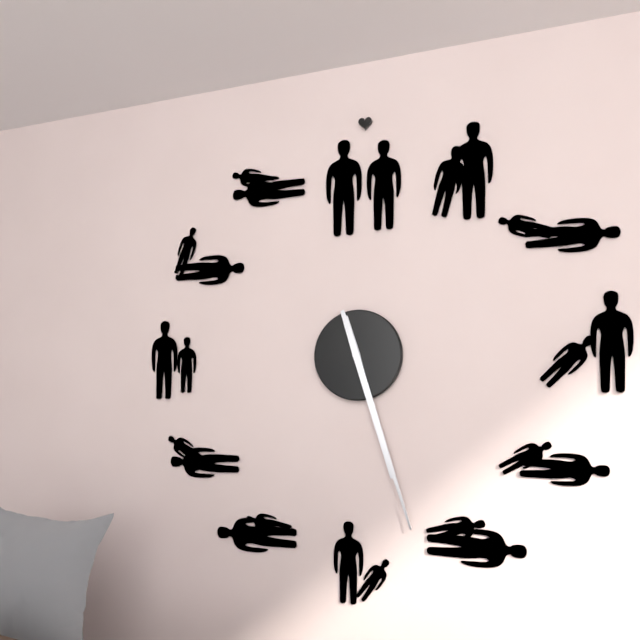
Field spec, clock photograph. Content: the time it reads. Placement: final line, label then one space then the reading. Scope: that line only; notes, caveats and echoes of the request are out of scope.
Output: 5:27
